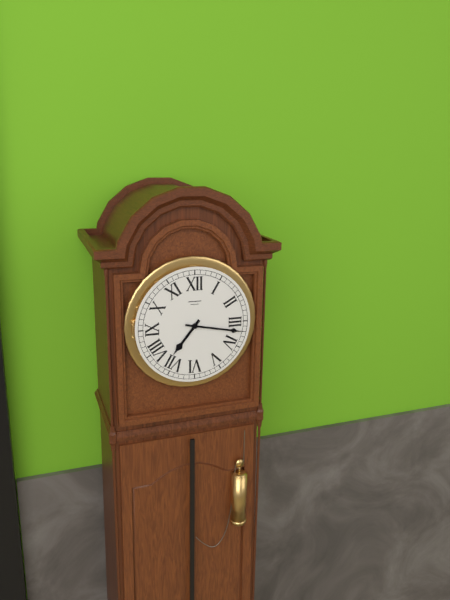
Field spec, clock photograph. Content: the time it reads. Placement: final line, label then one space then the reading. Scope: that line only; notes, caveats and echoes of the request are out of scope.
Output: 7:17
